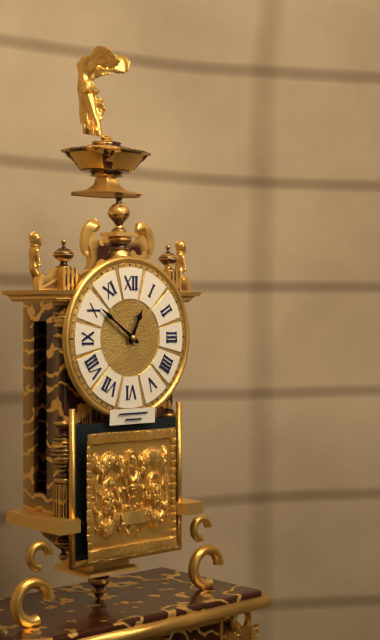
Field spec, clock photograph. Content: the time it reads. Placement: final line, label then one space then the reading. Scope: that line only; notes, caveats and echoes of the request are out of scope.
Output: 12:51
